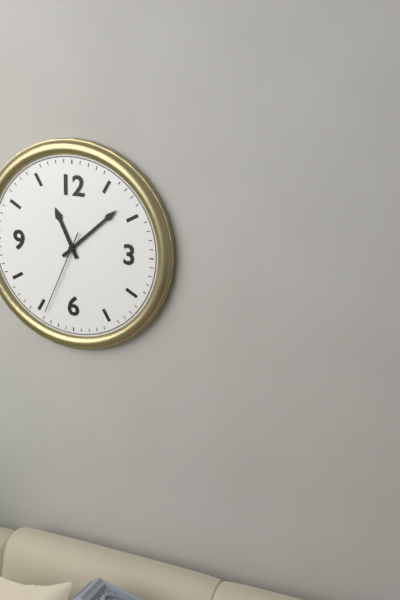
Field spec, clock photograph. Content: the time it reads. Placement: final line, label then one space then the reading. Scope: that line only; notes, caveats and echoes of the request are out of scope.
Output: 11:08:34
